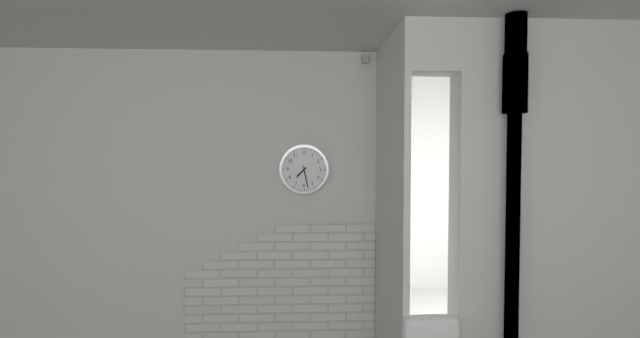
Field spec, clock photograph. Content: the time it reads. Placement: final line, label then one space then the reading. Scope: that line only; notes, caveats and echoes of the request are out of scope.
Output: 7:28
